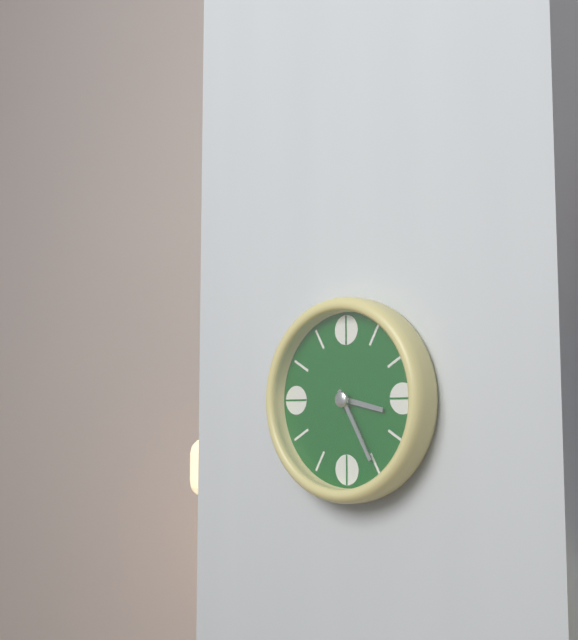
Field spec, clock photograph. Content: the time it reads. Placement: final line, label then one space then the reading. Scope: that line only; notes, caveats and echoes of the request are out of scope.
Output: 3:25
